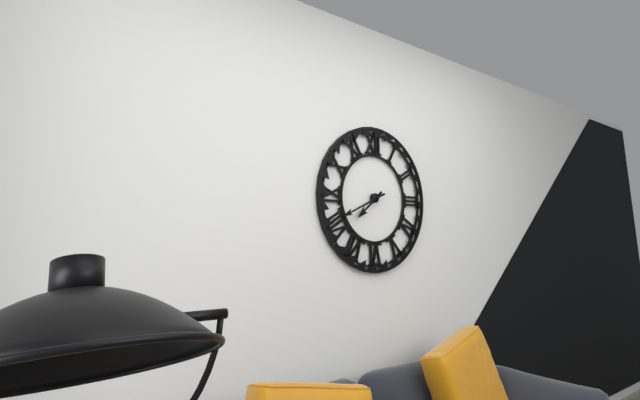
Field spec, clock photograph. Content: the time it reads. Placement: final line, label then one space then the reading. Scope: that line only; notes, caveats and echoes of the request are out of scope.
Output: 7:41
